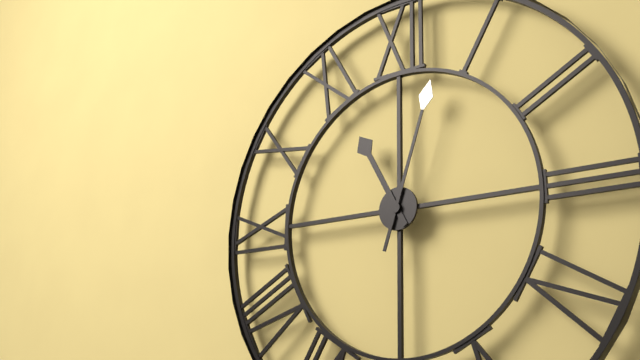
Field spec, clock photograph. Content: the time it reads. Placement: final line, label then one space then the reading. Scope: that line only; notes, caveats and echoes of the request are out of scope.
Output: 11:03
